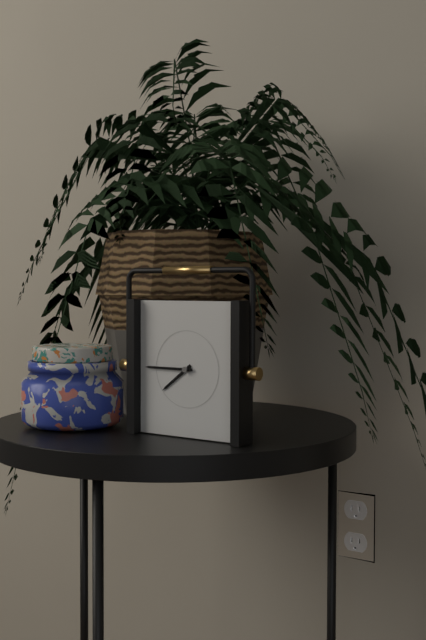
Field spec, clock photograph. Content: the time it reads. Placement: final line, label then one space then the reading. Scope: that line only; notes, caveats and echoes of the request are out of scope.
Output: 7:45
